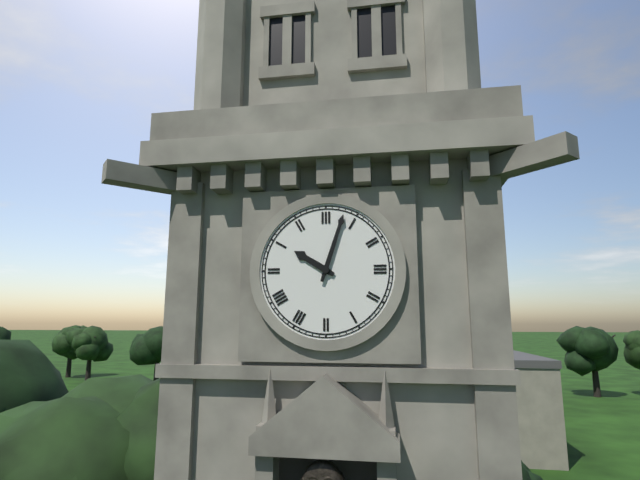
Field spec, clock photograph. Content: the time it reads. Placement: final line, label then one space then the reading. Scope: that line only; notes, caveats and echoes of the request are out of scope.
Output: 10:03
